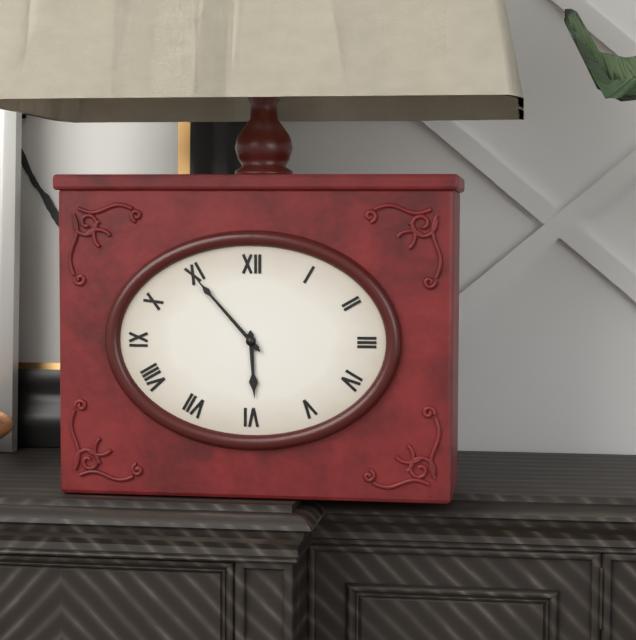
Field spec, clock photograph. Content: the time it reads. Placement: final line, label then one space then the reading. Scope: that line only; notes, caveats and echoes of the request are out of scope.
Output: 5:53
